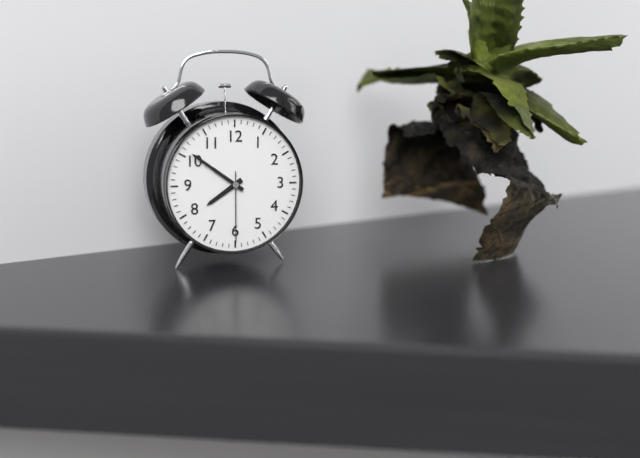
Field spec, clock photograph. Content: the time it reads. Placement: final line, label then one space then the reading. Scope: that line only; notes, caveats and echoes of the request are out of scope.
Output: 7:51:30
